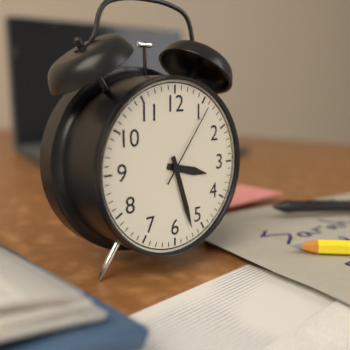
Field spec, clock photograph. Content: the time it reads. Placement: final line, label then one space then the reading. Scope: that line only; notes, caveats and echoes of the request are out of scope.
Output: 3:27:06
